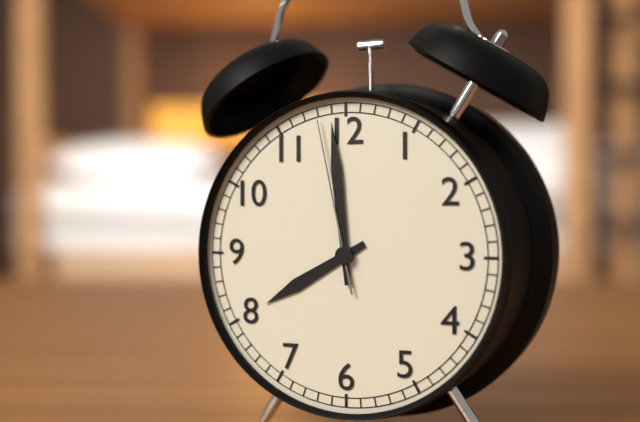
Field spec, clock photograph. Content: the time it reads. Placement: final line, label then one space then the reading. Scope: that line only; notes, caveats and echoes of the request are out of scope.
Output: 7:59:58
